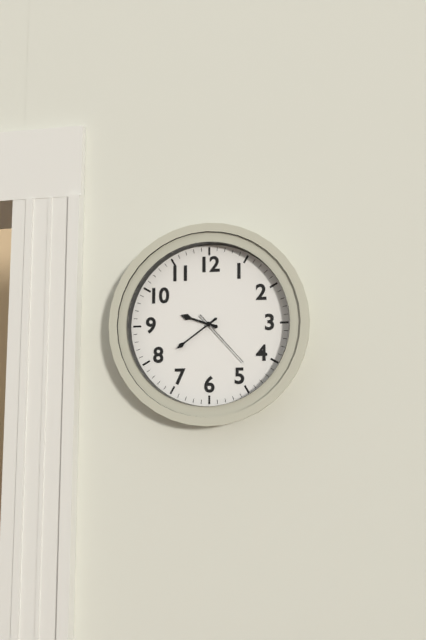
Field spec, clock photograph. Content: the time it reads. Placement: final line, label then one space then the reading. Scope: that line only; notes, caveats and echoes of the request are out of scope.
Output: 9:39:23
